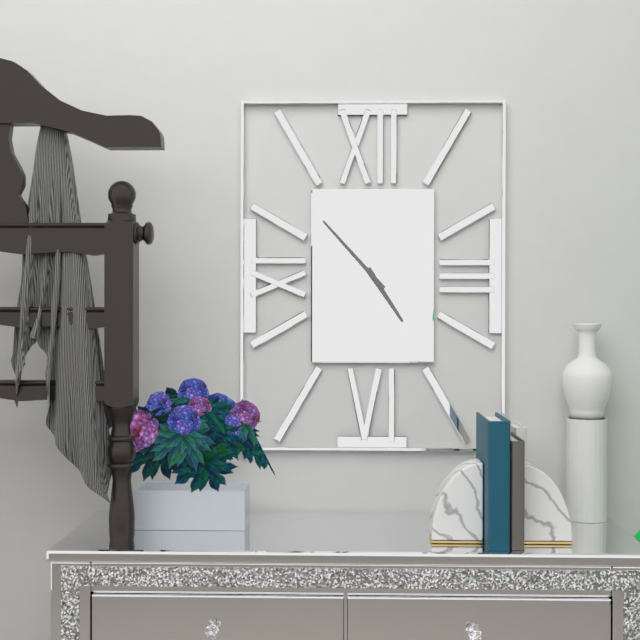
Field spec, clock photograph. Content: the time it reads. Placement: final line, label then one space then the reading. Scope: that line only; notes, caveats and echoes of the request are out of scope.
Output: 4:53
